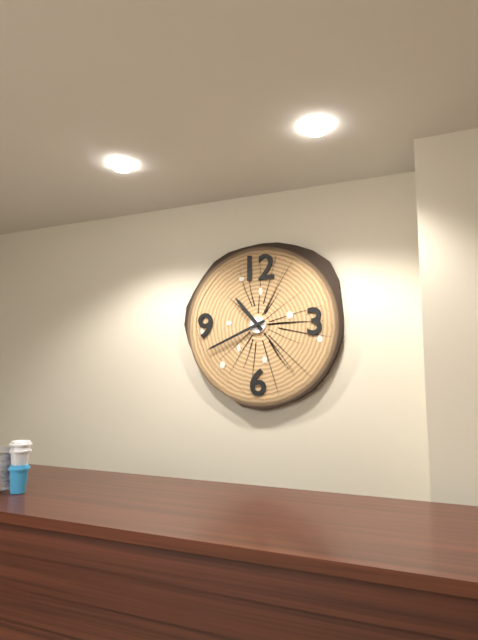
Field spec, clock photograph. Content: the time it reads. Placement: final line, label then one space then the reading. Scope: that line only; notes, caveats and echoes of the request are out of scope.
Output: 10:41
